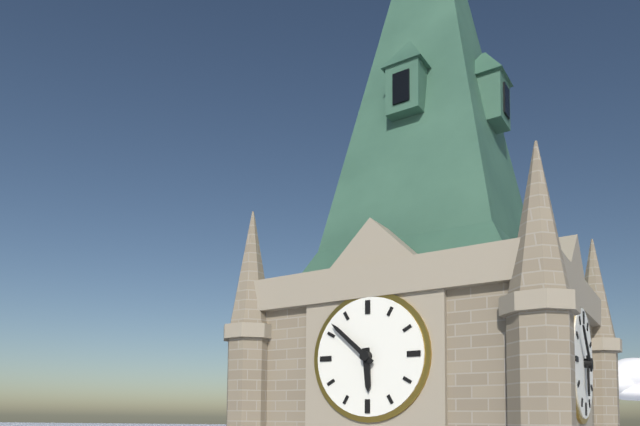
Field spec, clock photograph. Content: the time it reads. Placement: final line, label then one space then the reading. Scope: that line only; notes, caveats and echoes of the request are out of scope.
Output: 5:52
